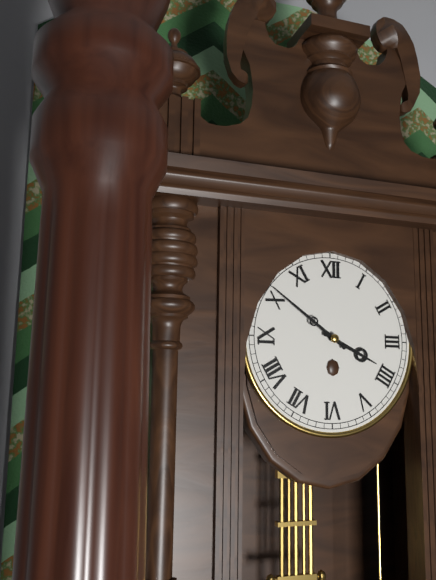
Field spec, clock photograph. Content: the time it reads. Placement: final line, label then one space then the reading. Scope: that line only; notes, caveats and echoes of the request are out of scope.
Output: 3:51
